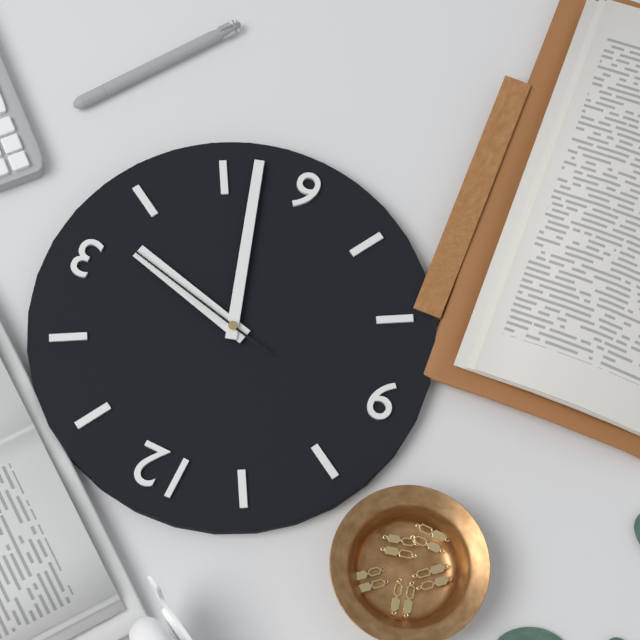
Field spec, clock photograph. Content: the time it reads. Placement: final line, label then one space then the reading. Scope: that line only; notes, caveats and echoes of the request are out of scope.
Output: 3:27:17
